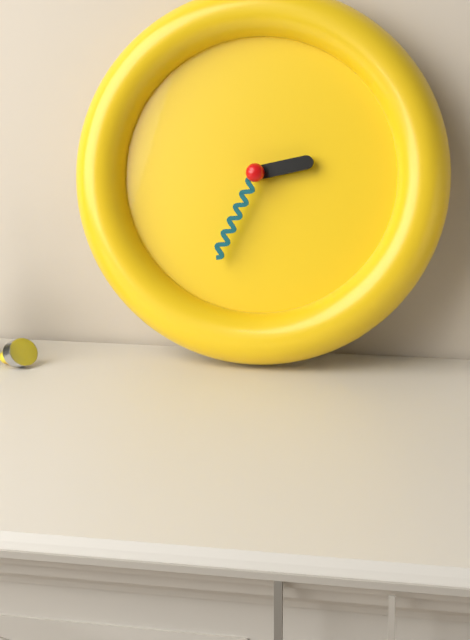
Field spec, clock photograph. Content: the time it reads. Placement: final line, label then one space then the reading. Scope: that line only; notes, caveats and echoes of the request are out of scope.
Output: 2:34
